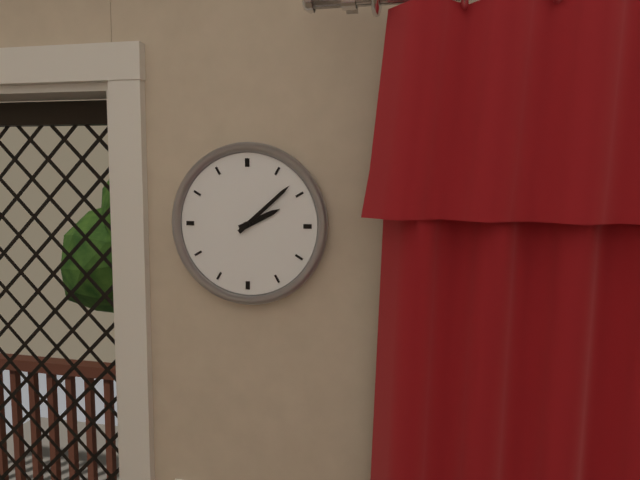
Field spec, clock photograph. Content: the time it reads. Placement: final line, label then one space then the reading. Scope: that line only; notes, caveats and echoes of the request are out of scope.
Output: 2:08
